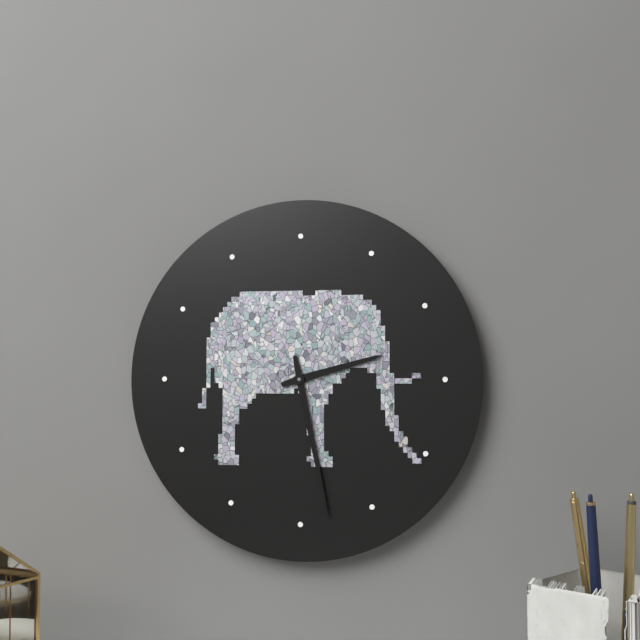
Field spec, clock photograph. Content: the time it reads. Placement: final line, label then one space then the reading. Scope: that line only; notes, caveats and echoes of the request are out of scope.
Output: 2:28
